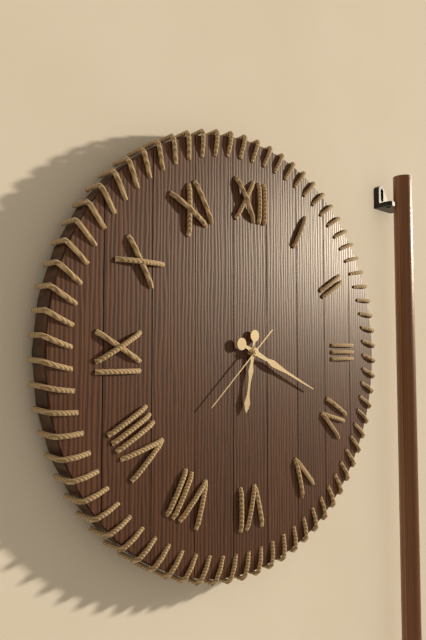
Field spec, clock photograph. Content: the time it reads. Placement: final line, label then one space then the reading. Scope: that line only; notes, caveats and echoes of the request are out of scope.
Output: 6:19:38
